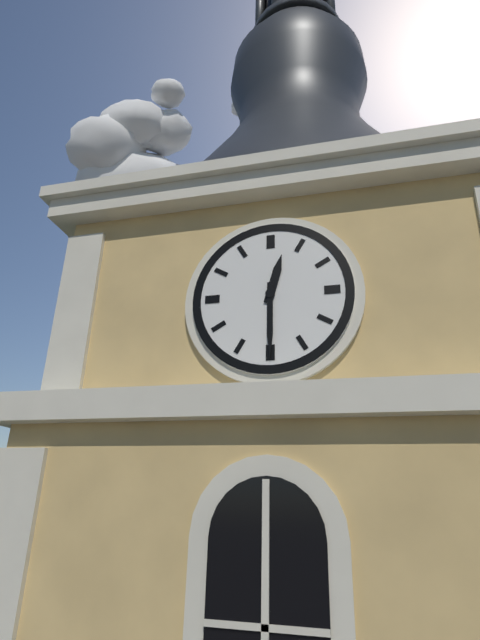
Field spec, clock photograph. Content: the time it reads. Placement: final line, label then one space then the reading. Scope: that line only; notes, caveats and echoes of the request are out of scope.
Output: 12:30
